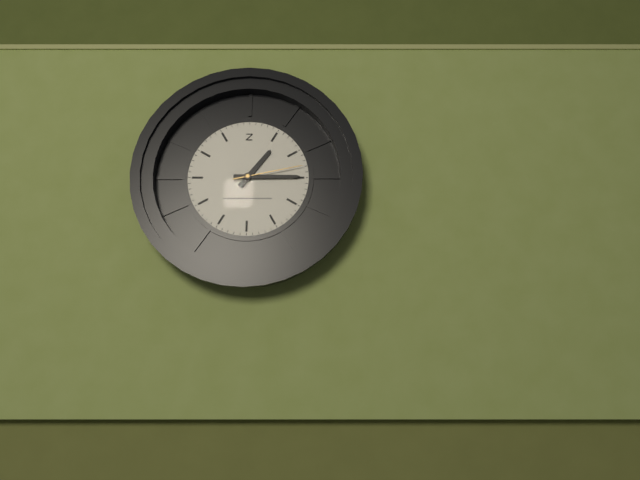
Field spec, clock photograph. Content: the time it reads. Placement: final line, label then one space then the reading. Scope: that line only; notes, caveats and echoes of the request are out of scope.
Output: 1:15:13
